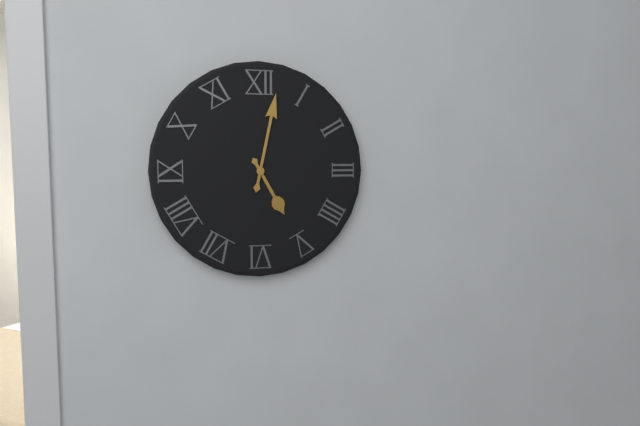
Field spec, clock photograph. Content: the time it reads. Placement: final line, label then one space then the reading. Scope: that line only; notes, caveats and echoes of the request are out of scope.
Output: 5:02
